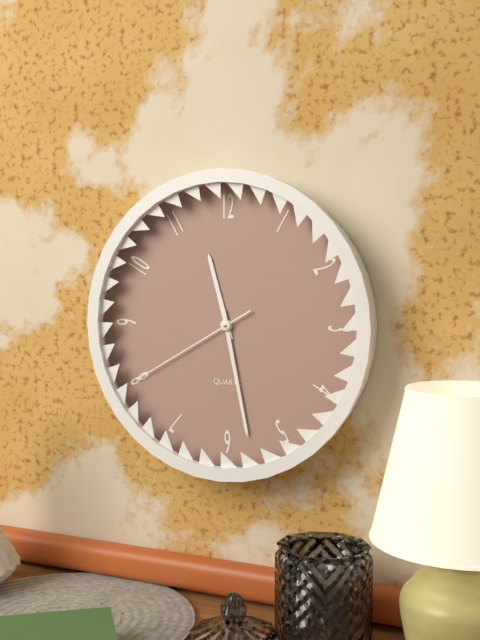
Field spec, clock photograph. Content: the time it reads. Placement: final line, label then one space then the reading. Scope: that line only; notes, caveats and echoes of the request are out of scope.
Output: 11:28:40
